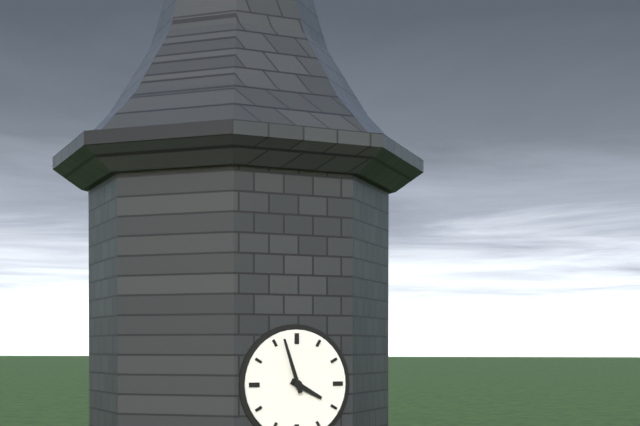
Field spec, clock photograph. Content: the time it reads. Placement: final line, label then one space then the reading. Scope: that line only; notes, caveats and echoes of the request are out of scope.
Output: 3:57
